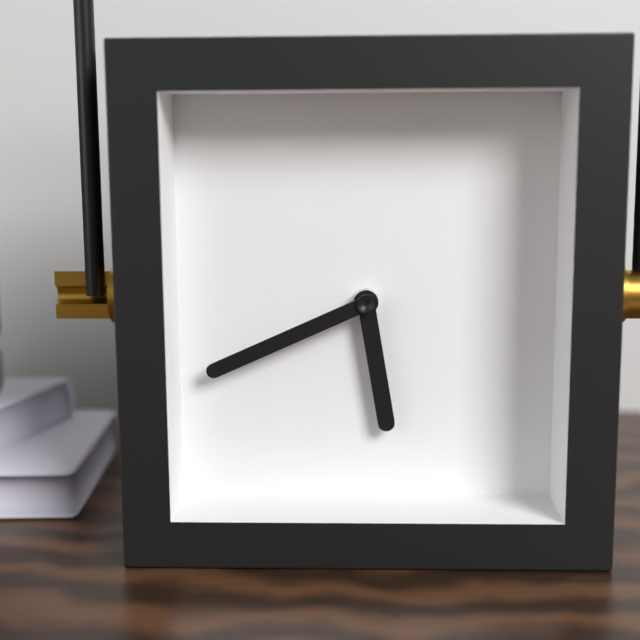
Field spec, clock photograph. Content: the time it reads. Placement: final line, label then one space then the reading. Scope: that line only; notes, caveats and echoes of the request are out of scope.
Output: 5:41
